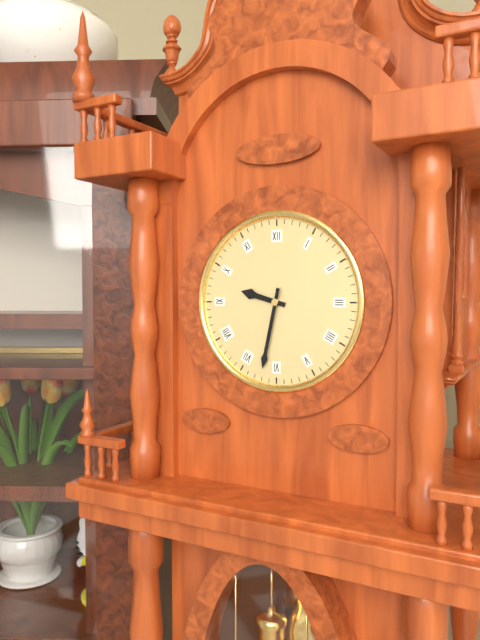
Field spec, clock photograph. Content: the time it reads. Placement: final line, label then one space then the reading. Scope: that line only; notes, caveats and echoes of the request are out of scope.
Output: 9:32
